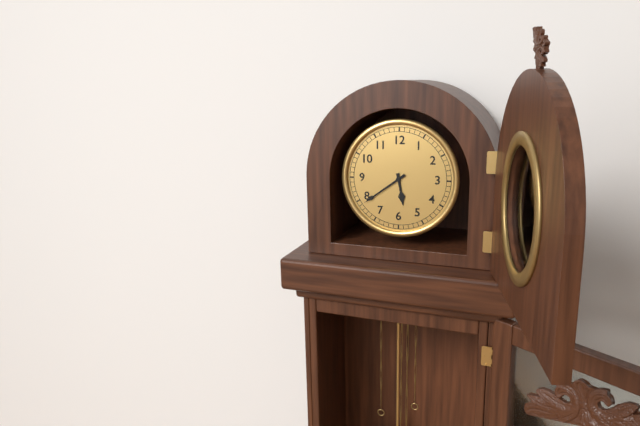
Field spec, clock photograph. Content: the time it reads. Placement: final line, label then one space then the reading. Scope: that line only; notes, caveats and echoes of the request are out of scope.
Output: 5:39
